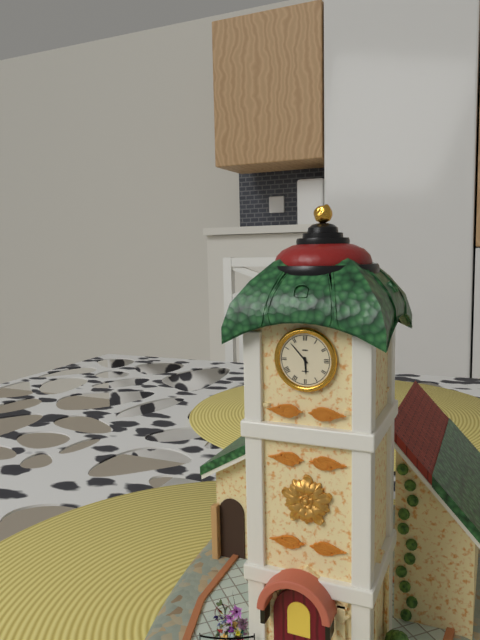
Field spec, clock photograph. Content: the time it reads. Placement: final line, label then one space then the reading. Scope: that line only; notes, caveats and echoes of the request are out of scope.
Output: 5:53
